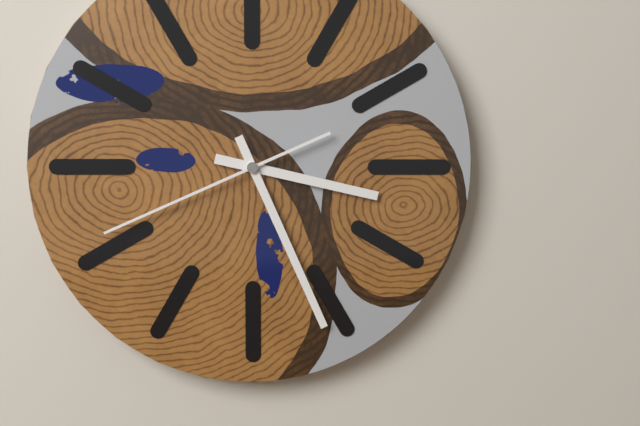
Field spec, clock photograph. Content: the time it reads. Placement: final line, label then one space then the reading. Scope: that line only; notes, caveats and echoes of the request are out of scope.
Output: 3:26:41
